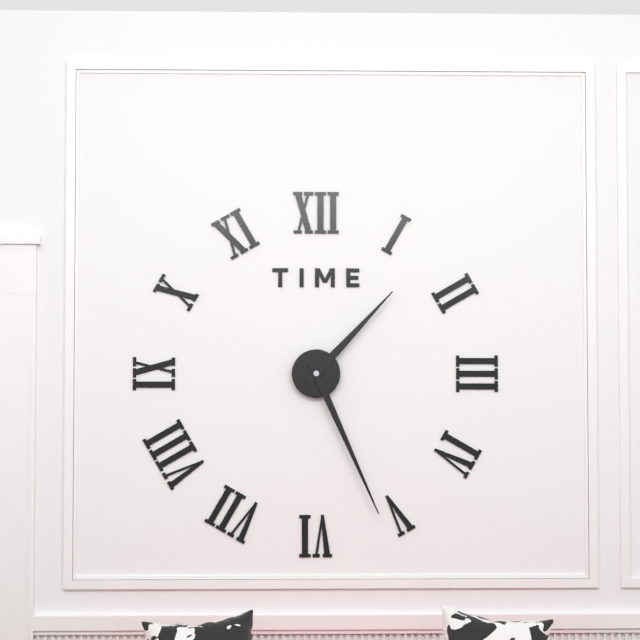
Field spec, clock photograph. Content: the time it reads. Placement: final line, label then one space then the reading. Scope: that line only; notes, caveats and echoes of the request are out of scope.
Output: 1:26
